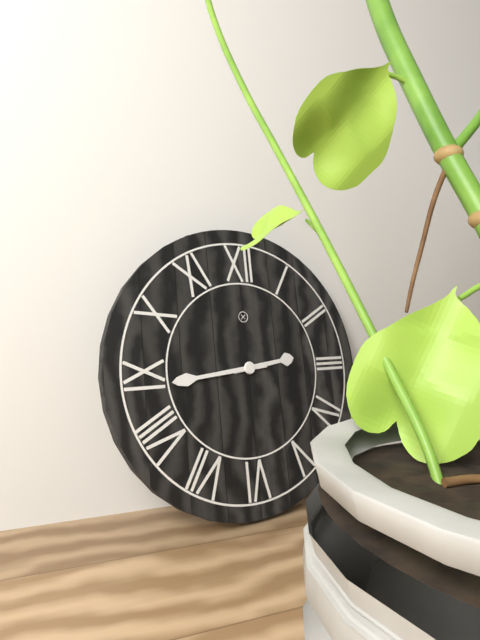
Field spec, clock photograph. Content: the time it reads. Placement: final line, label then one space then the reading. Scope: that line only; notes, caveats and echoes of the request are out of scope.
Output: 2:44
